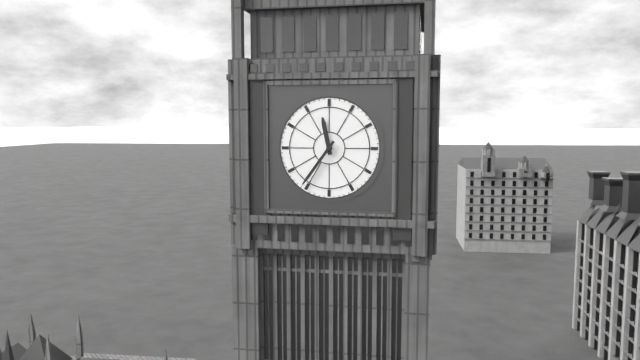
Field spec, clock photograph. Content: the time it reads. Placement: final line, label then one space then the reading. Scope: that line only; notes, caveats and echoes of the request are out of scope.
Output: 11:36
